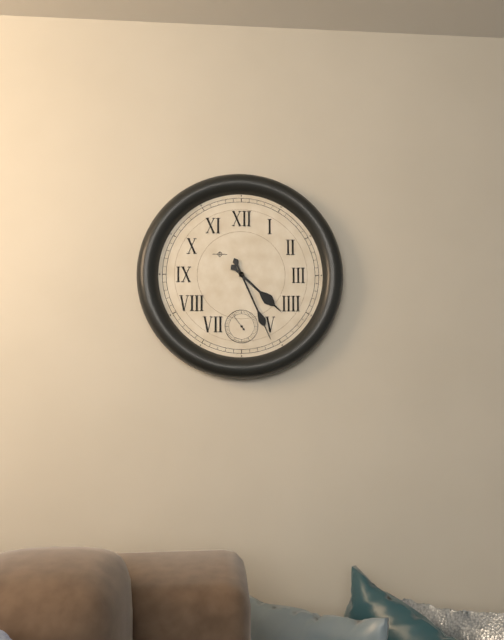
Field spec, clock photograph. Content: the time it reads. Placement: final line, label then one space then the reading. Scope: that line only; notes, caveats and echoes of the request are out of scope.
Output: 4:26
